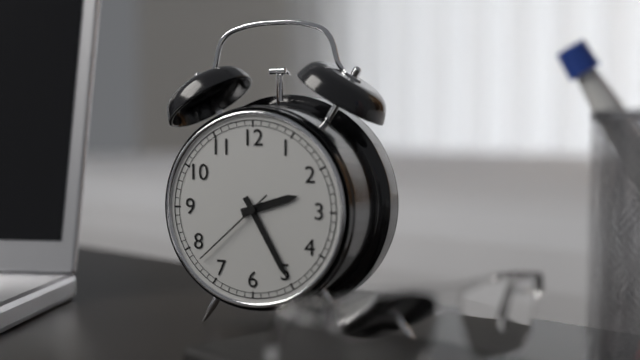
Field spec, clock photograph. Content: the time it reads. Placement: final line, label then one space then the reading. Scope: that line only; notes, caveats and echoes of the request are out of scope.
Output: 2:25:38
